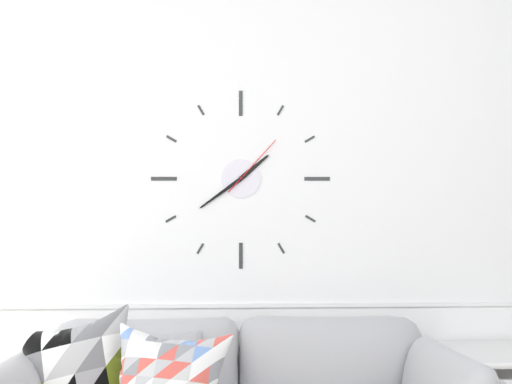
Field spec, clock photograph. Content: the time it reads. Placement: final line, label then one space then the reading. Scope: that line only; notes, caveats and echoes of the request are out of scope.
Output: 1:39:07
